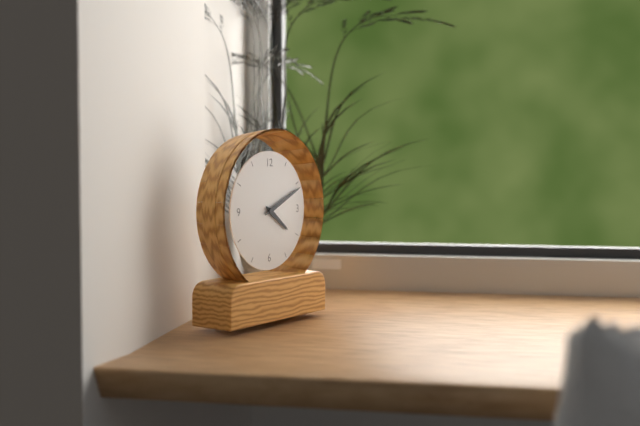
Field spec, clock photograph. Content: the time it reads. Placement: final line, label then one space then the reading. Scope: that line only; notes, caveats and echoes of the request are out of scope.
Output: 4:11
